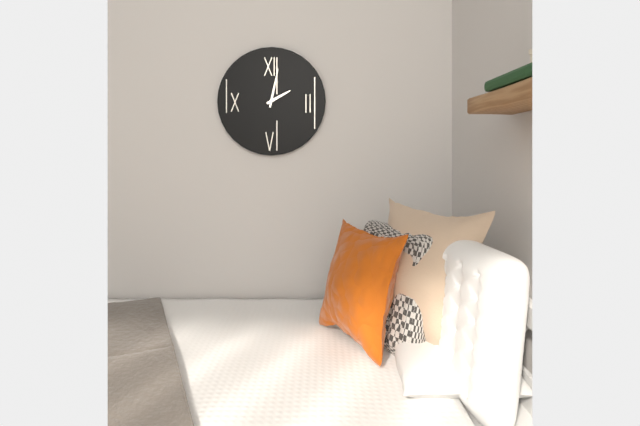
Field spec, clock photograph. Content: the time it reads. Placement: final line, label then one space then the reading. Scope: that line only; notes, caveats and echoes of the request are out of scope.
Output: 2:02
